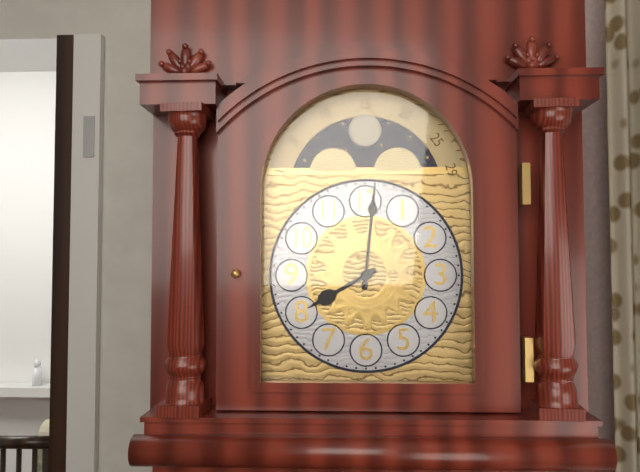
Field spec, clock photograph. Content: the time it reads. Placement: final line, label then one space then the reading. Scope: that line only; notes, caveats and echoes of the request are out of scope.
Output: 8:01
